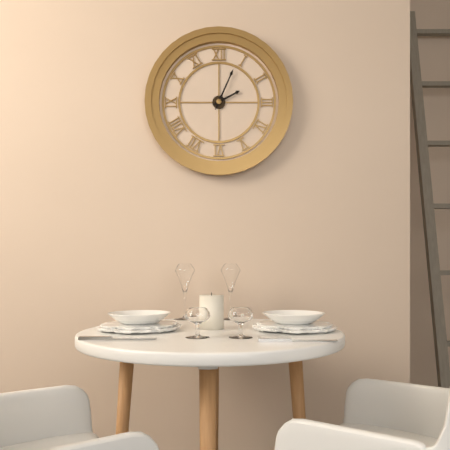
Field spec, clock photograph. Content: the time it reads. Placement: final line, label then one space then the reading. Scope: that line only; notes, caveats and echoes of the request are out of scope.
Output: 2:04
